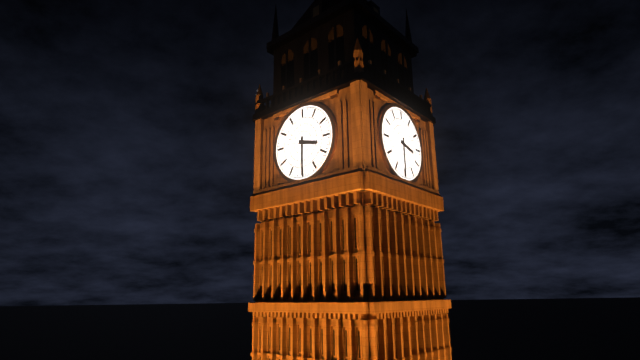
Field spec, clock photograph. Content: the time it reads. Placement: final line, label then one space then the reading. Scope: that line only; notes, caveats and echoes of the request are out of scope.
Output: 3:30
